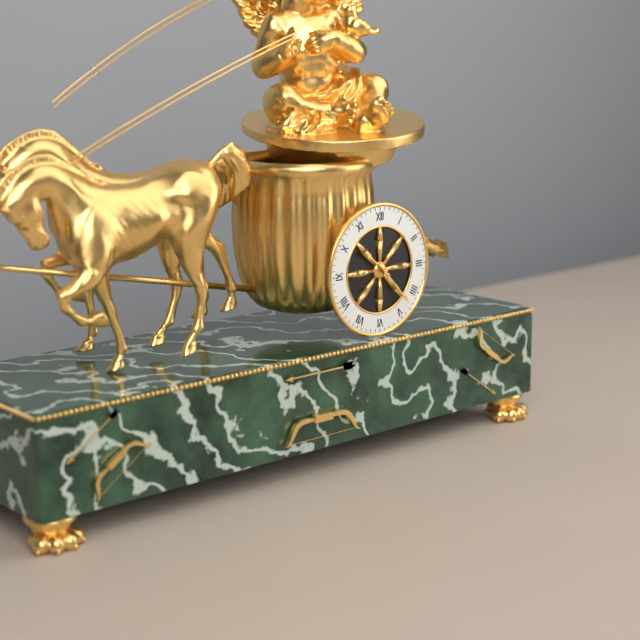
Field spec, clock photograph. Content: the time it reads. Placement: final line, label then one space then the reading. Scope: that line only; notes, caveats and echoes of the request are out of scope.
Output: 10:23
